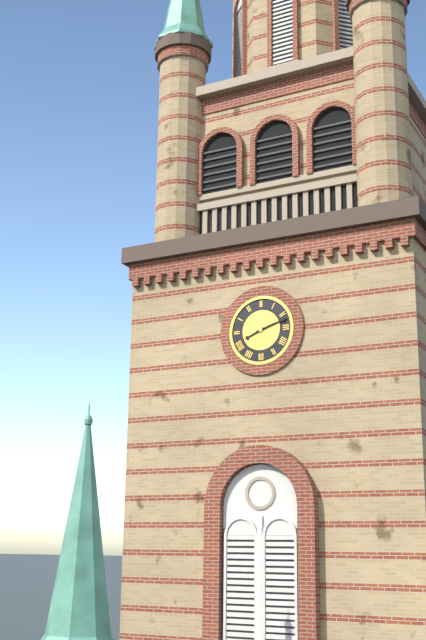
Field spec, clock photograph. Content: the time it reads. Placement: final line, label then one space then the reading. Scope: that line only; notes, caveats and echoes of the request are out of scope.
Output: 8:12
